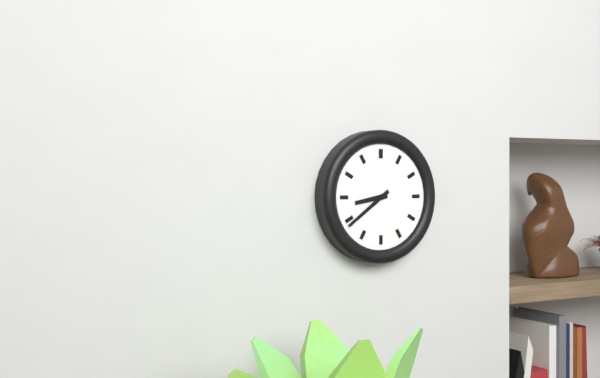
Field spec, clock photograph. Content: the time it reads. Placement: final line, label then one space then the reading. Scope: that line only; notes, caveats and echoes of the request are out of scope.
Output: 8:39
